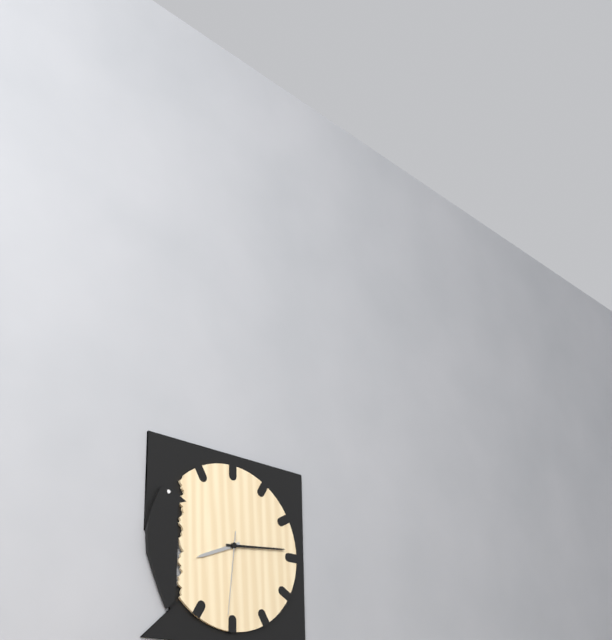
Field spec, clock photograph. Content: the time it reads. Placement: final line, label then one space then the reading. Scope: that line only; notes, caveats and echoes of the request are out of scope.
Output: 8:14:31
